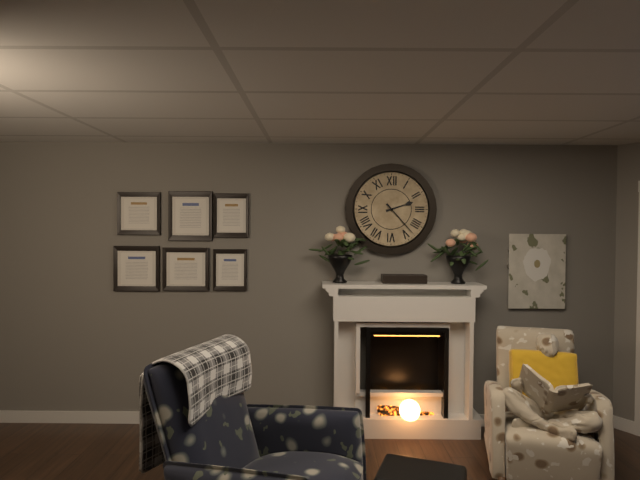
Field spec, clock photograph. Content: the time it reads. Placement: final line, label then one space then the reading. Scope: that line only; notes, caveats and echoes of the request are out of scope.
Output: 2:23
